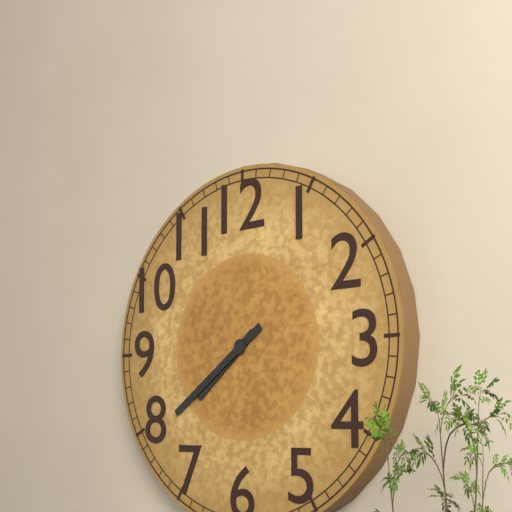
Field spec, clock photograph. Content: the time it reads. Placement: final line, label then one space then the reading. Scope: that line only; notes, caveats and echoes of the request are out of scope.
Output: 7:39
